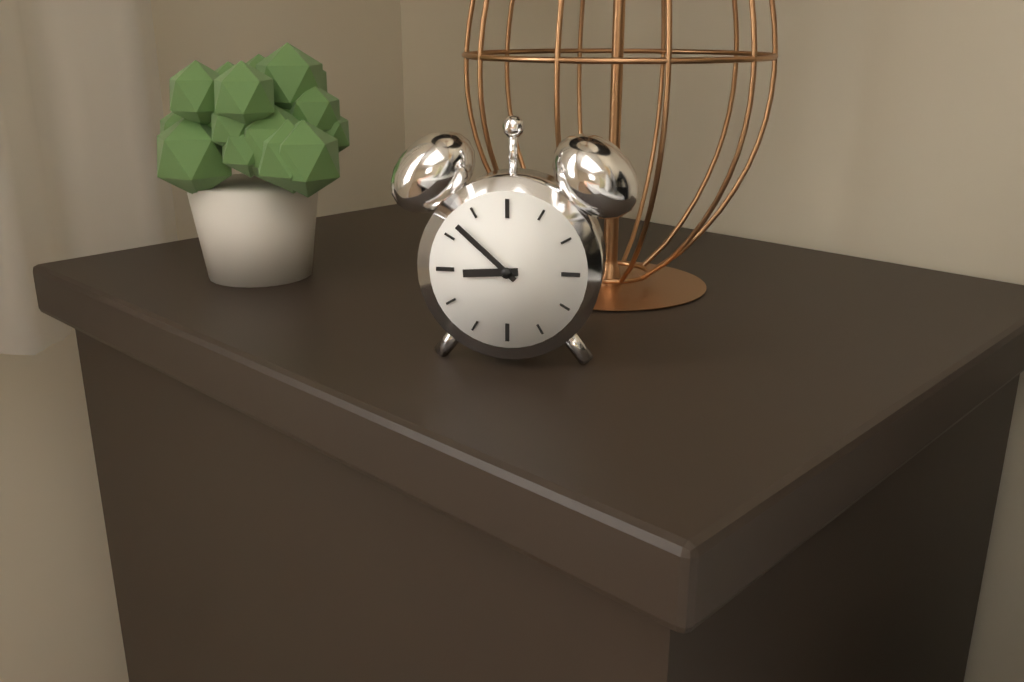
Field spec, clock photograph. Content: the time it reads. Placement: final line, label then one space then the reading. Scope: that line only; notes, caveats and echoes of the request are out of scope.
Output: 8:52
